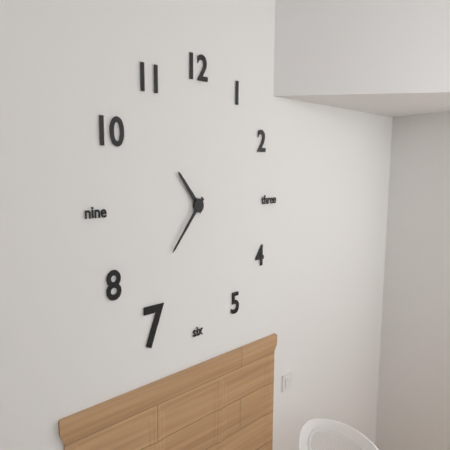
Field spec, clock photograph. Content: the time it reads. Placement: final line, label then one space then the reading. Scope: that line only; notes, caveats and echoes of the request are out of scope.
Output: 10:37
